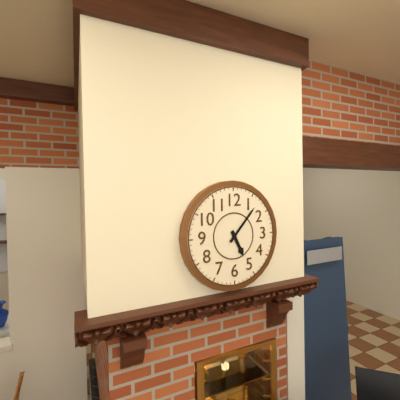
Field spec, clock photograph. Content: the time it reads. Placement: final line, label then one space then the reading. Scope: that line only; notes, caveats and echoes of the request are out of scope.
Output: 5:07
